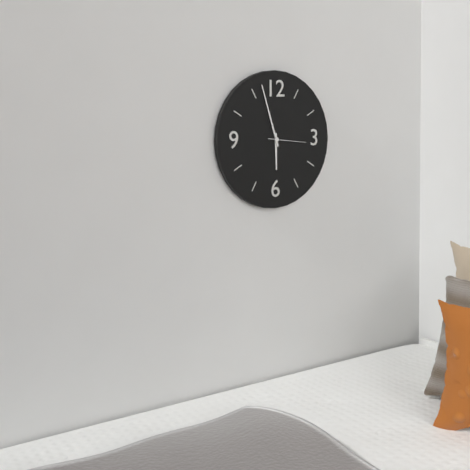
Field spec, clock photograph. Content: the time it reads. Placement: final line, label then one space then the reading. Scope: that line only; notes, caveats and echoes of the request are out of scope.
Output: 5:57
